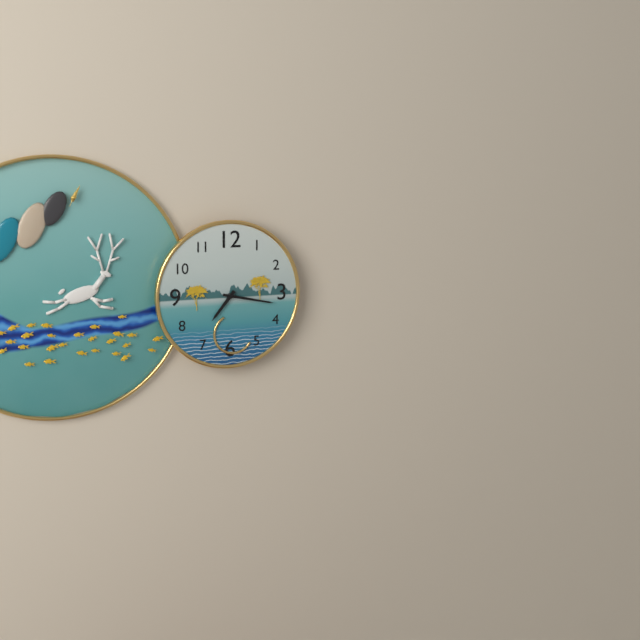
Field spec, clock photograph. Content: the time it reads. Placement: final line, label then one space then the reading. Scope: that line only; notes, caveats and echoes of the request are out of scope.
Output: 7:17
